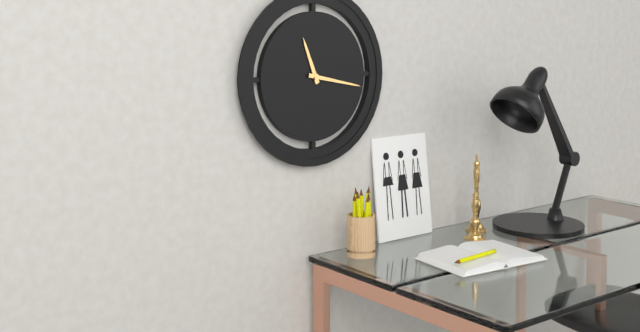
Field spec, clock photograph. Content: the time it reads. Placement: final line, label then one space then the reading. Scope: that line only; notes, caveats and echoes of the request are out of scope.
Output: 11:17
